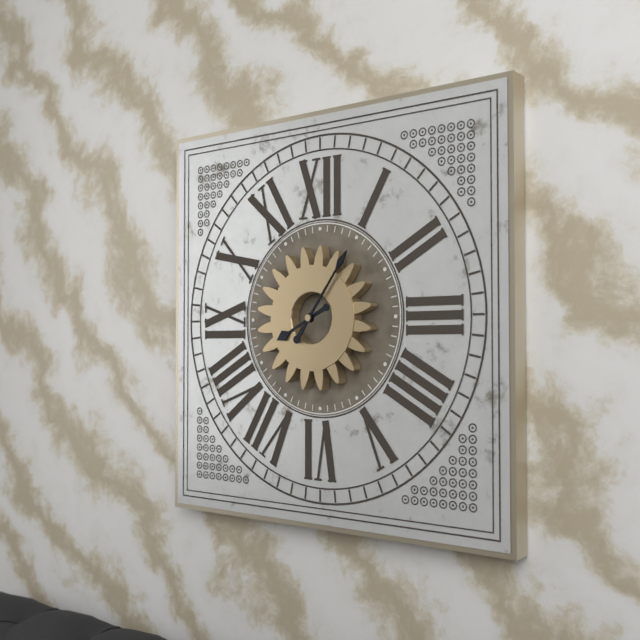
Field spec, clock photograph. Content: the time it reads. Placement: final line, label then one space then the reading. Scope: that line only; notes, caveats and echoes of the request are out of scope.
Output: 8:06
